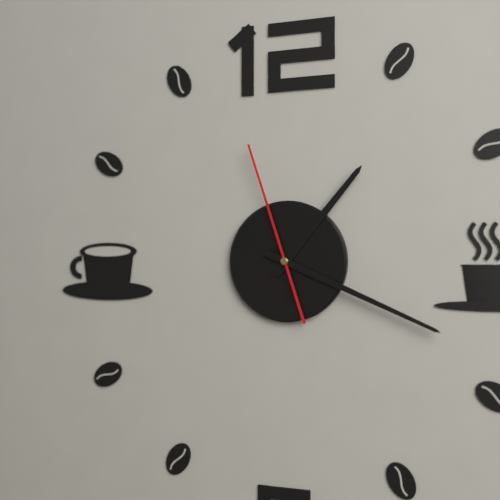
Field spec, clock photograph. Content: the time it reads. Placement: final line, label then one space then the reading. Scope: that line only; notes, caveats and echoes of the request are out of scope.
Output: 1:19:57
